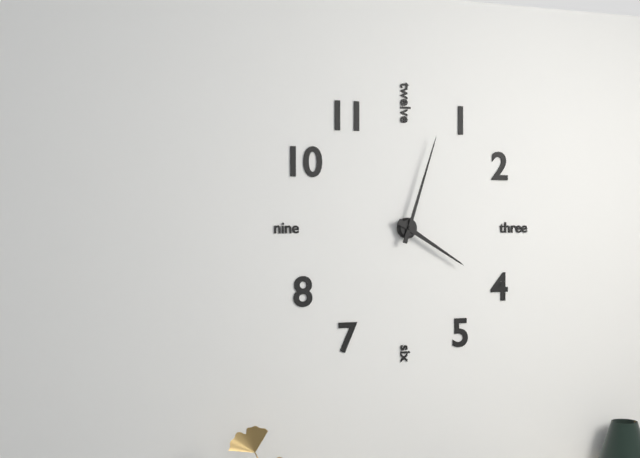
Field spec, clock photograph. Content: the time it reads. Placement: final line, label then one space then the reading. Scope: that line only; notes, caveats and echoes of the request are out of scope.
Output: 4:03
